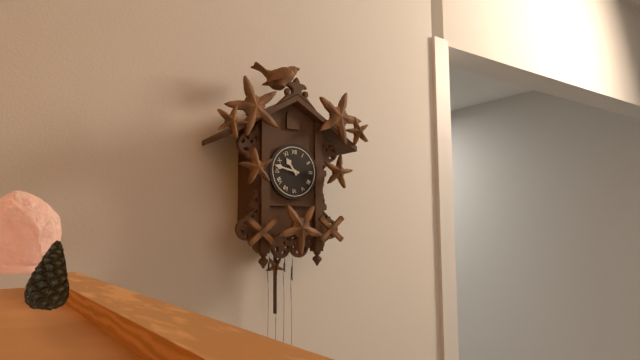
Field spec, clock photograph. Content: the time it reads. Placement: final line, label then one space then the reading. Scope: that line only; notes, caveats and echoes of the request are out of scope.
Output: 10:47
